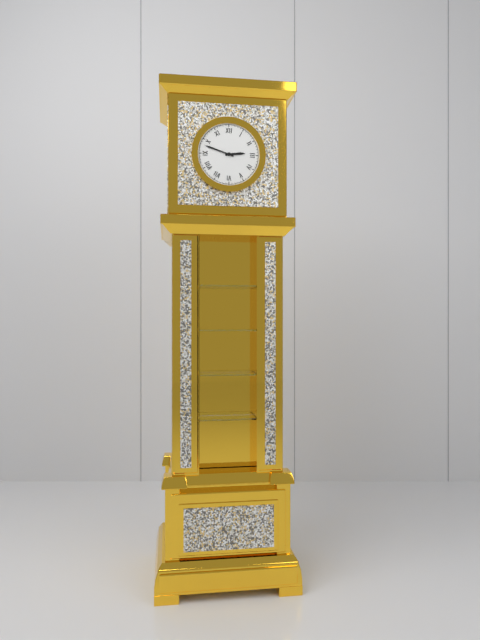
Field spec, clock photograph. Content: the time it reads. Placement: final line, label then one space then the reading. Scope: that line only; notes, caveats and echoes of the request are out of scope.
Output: 2:48
